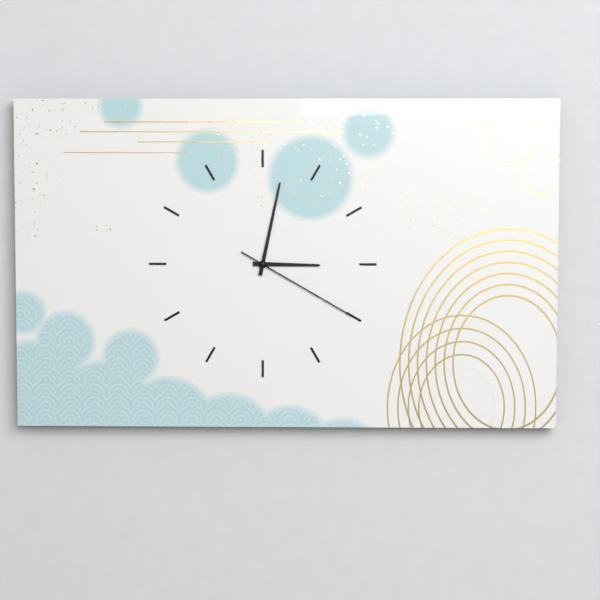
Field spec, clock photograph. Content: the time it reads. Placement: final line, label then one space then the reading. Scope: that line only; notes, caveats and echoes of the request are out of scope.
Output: 3:02:20
